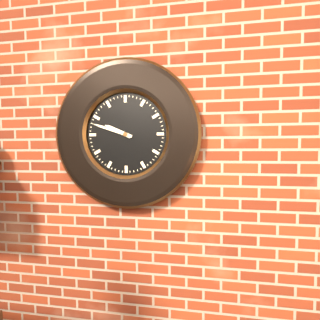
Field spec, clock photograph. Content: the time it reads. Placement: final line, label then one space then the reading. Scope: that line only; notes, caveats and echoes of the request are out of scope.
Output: 9:48
